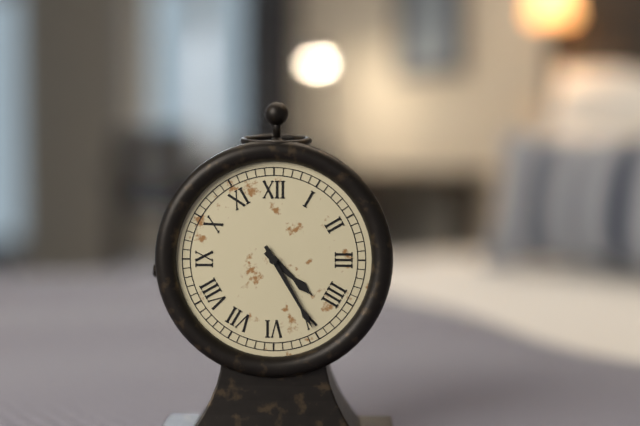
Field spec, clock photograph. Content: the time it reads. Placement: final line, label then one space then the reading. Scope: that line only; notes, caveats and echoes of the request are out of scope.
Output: 4:25
